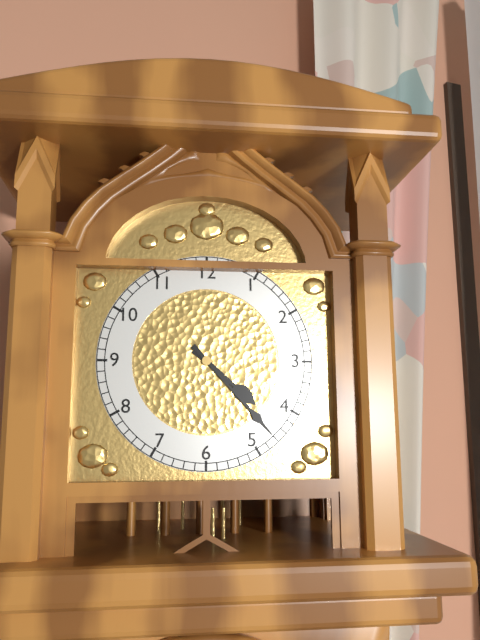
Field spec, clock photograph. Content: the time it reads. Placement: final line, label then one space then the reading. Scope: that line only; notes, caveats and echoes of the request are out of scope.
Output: 4:23
